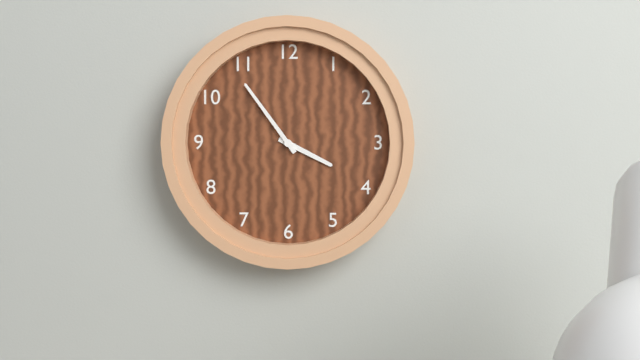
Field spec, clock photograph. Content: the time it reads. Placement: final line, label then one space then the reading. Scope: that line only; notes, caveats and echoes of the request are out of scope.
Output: 3:54
